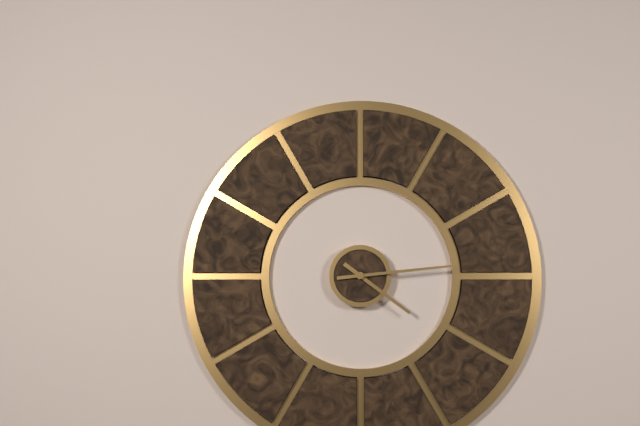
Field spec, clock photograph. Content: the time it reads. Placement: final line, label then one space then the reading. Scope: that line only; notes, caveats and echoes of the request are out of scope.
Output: 4:14
